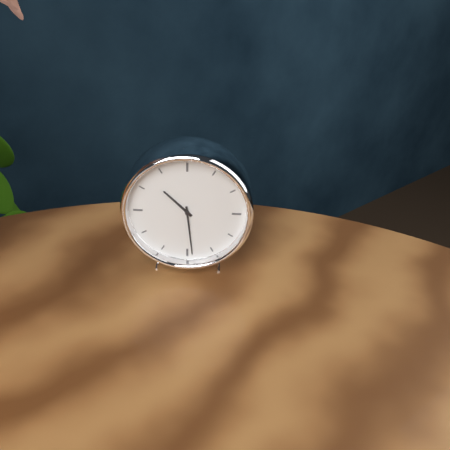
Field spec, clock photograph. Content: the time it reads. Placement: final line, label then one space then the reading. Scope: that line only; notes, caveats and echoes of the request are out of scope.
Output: 10:29
